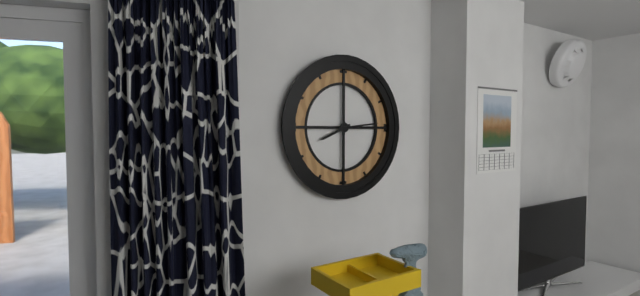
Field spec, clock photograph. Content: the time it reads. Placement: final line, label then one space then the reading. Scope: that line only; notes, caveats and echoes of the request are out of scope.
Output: 8:14
